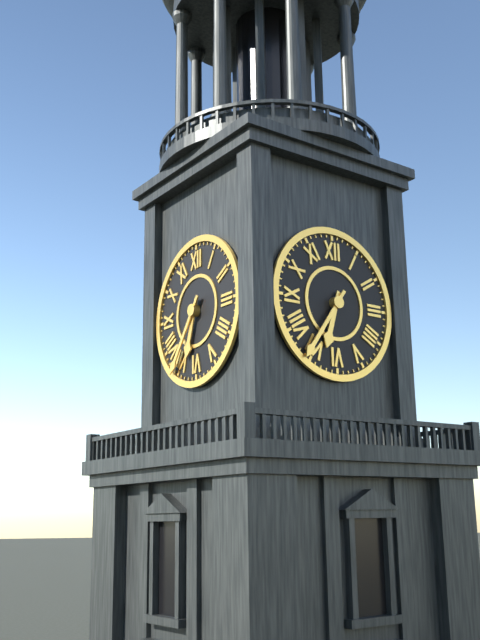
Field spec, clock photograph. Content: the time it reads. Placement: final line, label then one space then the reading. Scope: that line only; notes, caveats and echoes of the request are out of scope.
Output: 6:36
